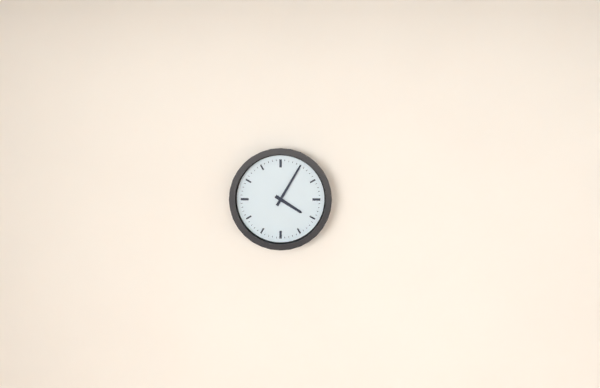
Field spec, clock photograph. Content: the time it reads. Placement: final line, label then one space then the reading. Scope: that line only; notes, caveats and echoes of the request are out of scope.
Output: 4:05
